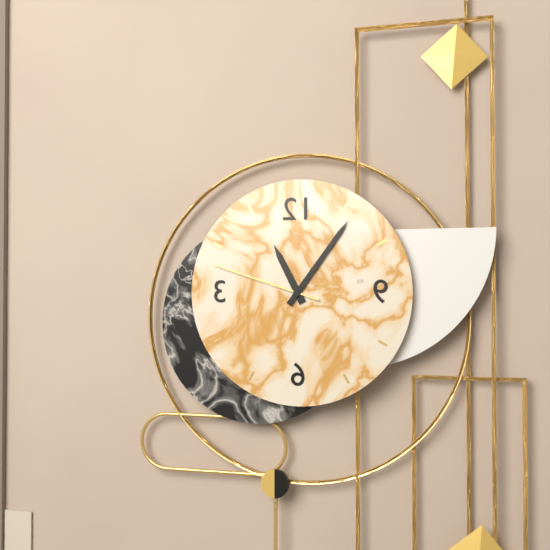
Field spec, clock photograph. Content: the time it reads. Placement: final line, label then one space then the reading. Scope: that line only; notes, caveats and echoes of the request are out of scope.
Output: 11:06:48
